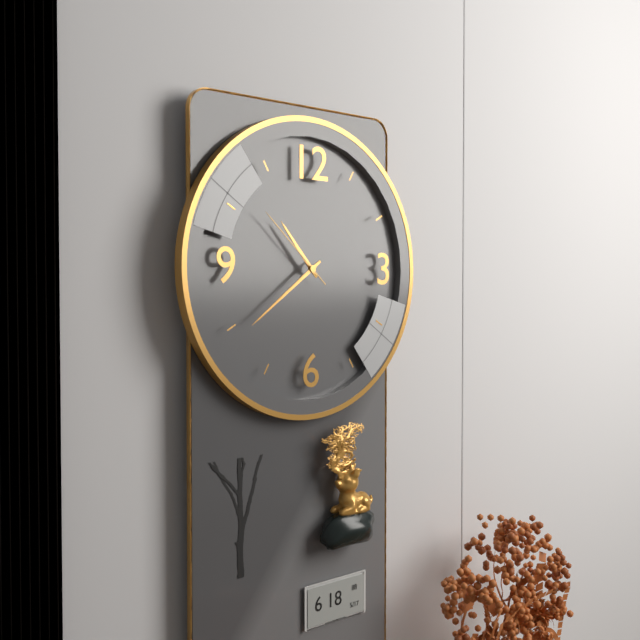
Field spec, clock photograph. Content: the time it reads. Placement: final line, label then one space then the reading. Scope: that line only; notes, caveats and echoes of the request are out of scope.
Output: 10:39:52
